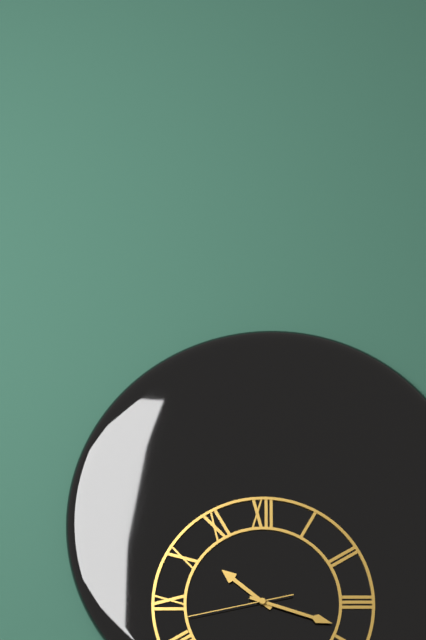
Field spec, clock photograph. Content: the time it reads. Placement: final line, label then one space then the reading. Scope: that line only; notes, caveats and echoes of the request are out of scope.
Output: 10:18:43
